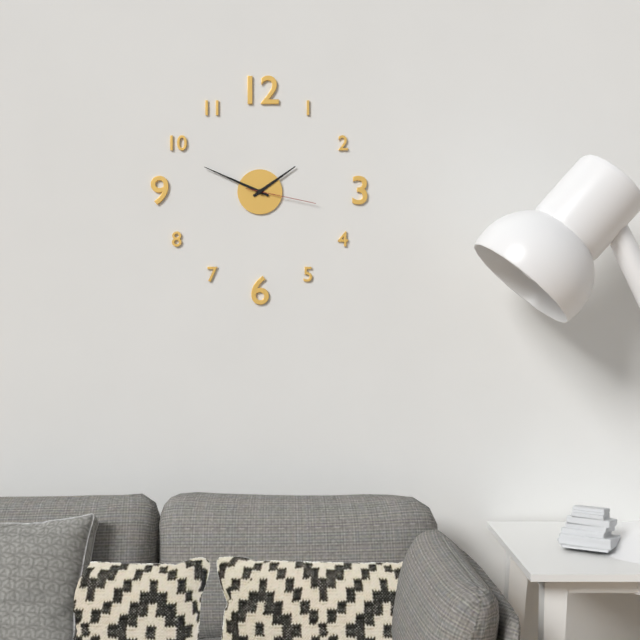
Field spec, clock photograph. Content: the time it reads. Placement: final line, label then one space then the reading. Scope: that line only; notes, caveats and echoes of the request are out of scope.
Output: 1:49:17
